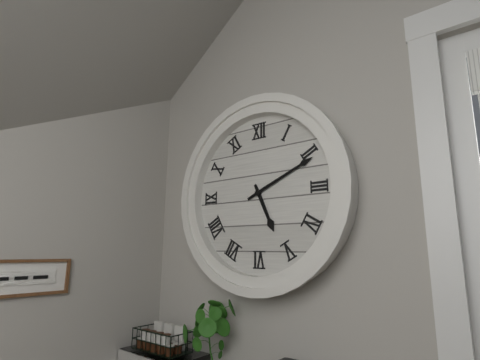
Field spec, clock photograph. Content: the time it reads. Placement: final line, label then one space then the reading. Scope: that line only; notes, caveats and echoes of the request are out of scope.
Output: 5:11
